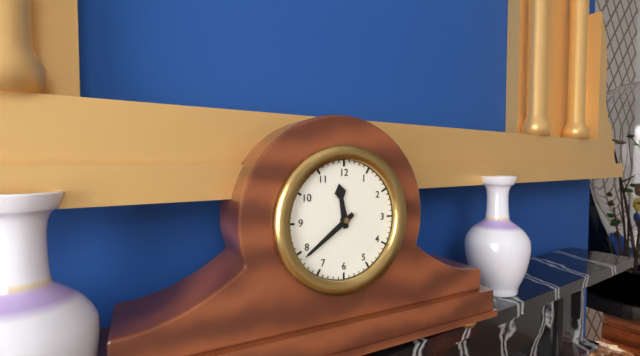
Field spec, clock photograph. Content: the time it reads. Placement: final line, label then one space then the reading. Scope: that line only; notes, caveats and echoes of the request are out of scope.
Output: 11:39
